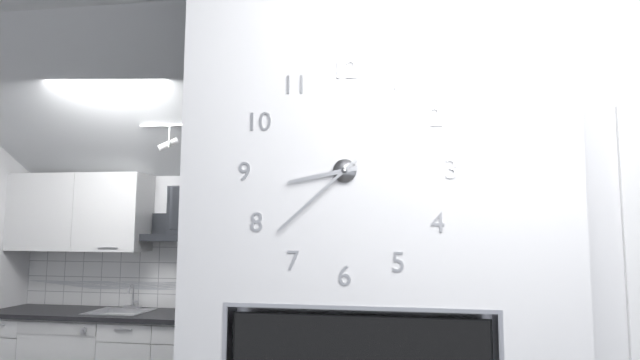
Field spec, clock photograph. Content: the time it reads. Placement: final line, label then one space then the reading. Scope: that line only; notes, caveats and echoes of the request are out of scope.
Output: 8:38
